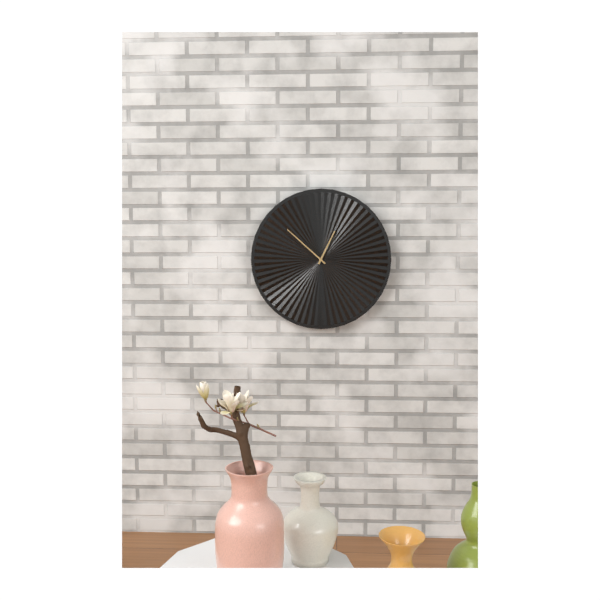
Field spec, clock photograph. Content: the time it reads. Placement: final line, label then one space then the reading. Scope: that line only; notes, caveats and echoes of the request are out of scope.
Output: 12:52
